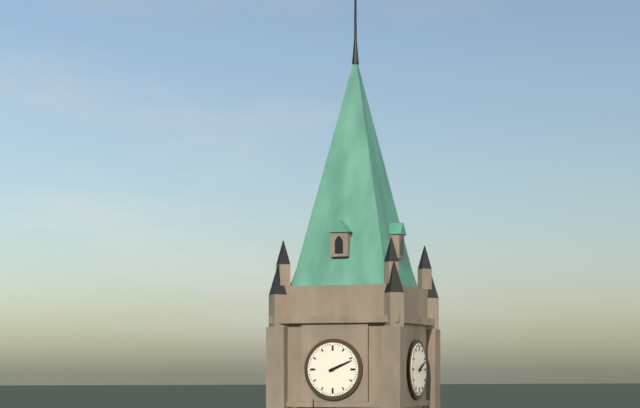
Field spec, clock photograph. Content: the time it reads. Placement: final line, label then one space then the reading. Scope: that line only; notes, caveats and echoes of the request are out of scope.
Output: 2:11
